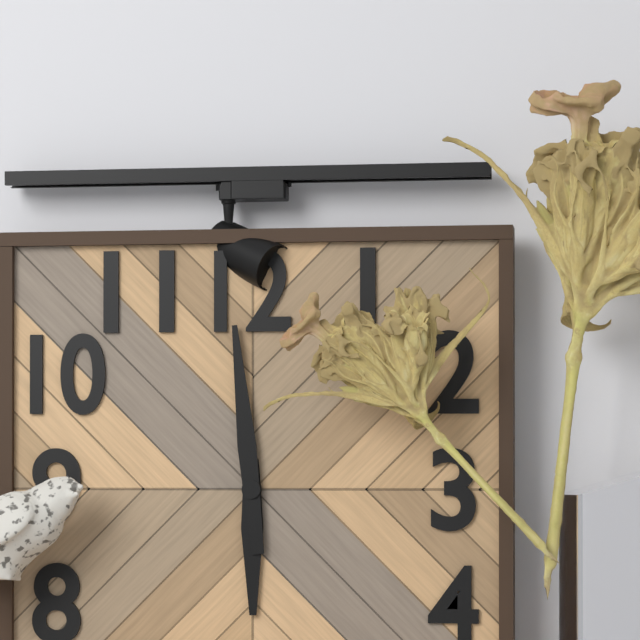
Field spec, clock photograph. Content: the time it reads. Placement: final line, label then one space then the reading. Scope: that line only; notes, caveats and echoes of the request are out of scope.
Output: 5:59
